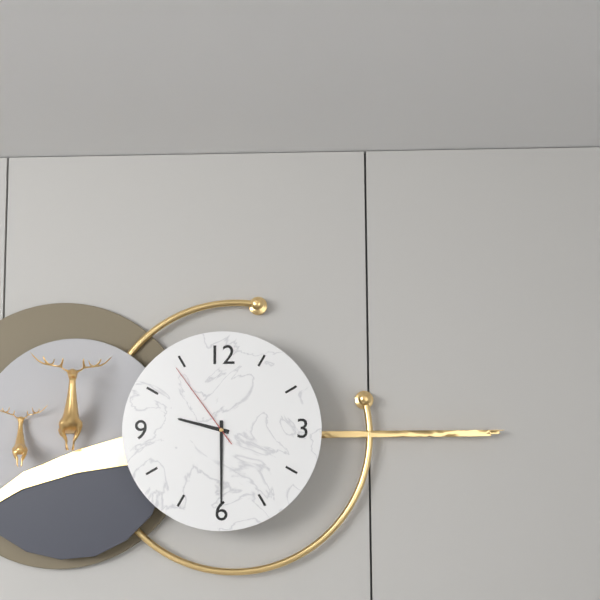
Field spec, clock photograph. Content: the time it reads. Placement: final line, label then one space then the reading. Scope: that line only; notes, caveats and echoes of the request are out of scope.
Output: 9:30:54
